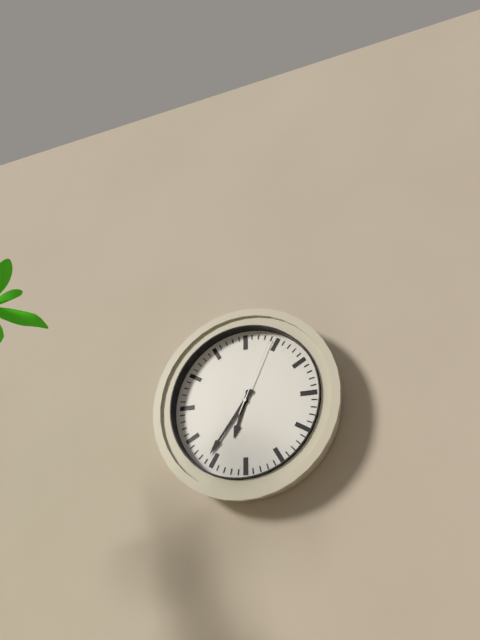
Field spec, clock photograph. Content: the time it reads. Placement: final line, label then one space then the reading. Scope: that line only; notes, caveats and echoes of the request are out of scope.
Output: 6:36:04
